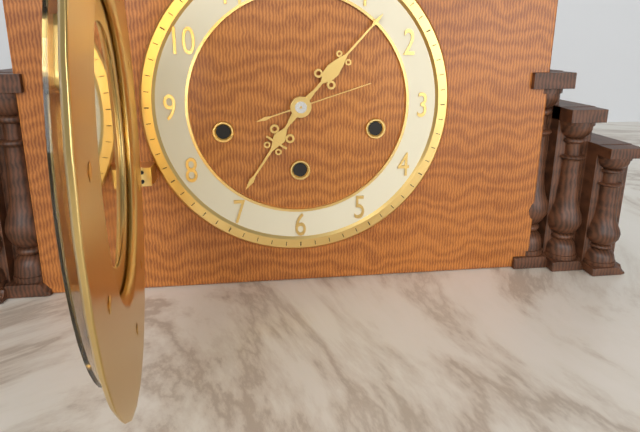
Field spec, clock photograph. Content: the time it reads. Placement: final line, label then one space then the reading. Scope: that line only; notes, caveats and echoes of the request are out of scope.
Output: 7:07:12
